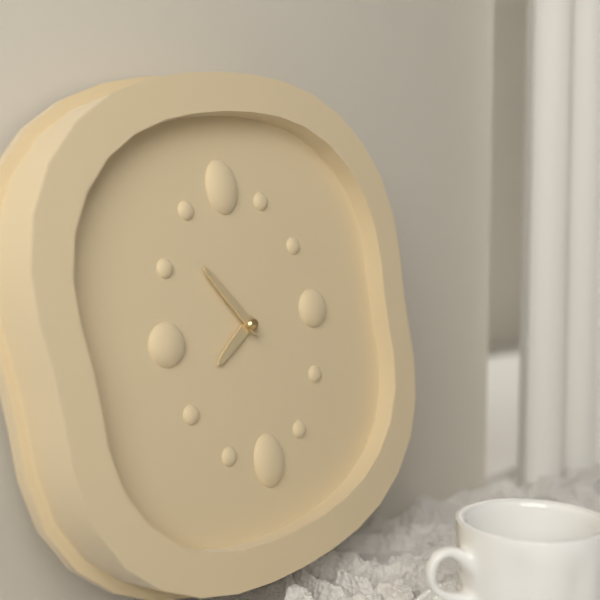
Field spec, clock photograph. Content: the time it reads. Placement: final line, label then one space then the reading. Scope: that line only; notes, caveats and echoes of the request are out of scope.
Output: 7:54
